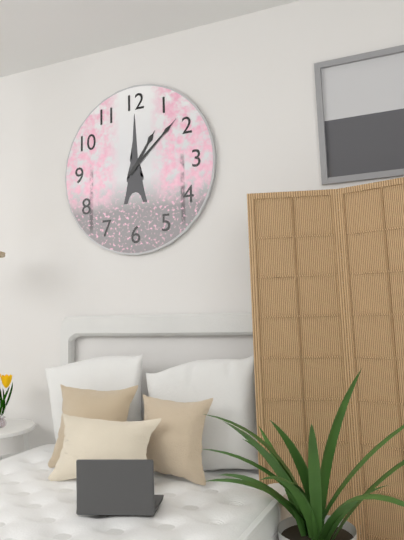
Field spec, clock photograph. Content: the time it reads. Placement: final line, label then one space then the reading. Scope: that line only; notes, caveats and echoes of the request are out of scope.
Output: 1:08
